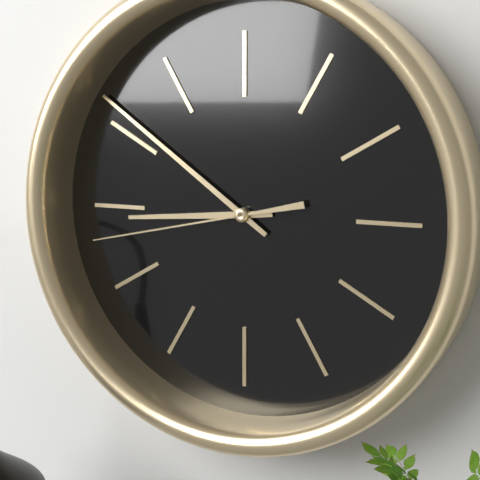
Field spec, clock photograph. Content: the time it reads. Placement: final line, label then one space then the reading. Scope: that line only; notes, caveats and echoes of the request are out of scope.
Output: 8:51:43
